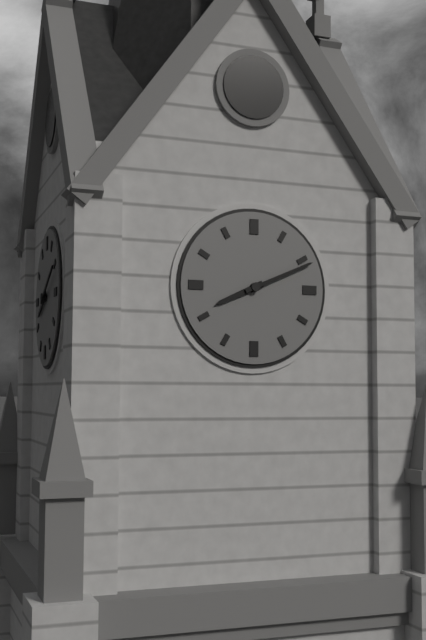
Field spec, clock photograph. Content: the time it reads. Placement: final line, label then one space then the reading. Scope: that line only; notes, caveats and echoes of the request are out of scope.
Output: 8:11
